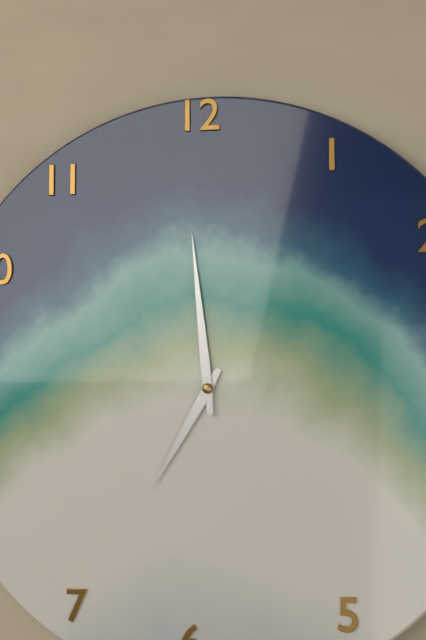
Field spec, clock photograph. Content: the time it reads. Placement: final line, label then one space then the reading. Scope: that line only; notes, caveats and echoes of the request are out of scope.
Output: 6:59
